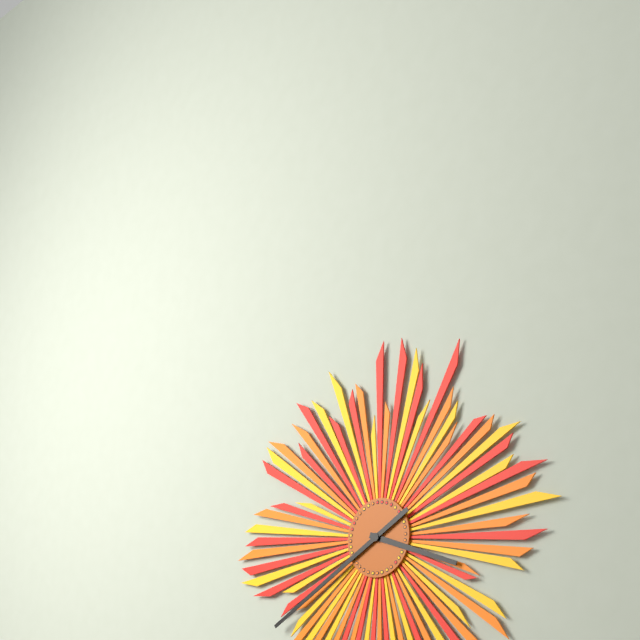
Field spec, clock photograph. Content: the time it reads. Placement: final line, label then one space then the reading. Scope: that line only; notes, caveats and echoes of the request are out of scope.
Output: 3:40
